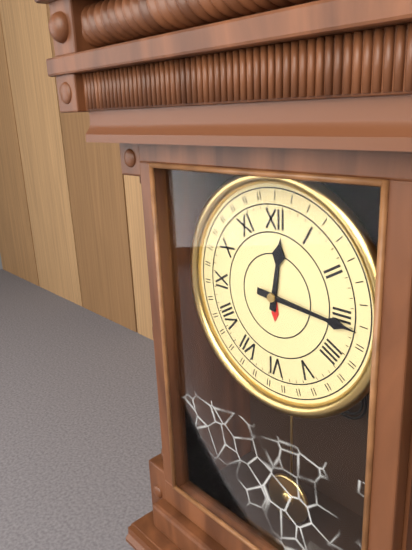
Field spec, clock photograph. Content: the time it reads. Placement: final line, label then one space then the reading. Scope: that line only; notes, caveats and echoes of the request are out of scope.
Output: 12:16
